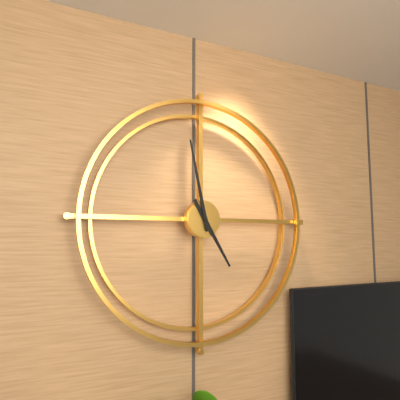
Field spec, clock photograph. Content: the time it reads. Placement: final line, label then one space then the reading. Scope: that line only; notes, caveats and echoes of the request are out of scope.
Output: 4:58
